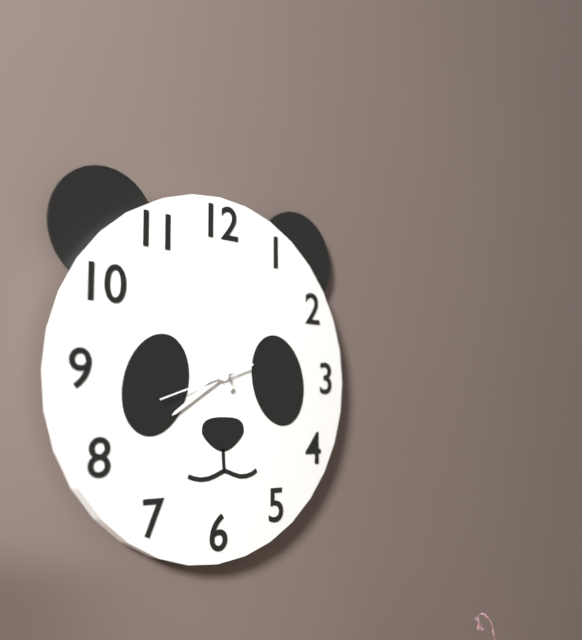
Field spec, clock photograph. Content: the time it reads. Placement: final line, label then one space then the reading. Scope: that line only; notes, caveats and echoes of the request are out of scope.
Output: 7:53:42
